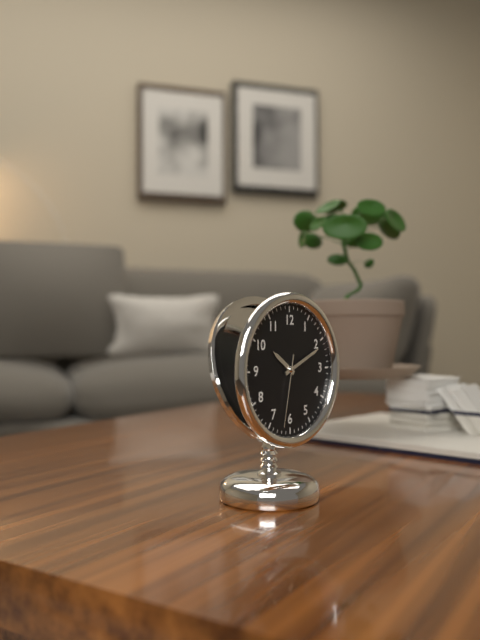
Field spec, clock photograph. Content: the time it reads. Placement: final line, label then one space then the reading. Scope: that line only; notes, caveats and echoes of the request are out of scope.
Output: 10:11:32
